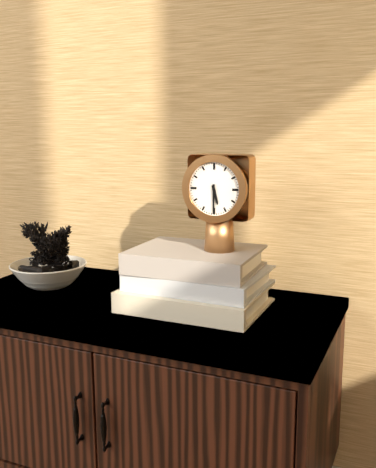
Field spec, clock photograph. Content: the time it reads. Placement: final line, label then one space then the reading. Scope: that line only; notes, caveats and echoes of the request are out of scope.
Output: 5:30
